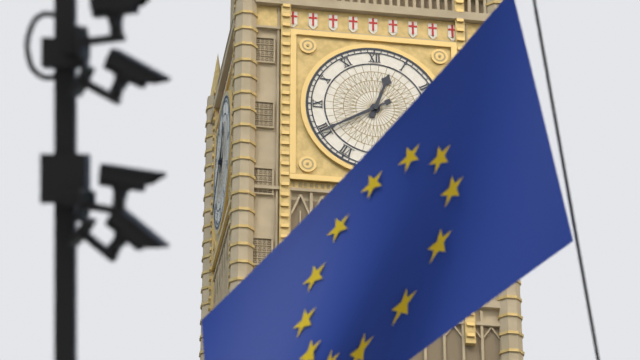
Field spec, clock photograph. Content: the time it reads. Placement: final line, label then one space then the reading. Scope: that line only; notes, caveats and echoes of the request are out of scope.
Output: 12:40
